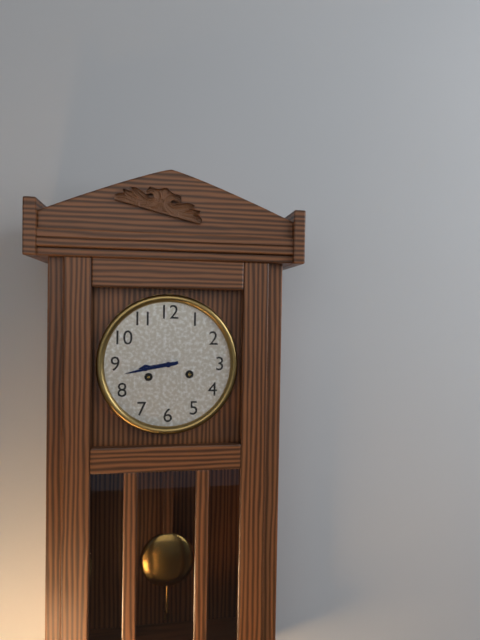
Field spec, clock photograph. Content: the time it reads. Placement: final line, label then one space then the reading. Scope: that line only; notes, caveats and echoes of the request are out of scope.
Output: 8:43
